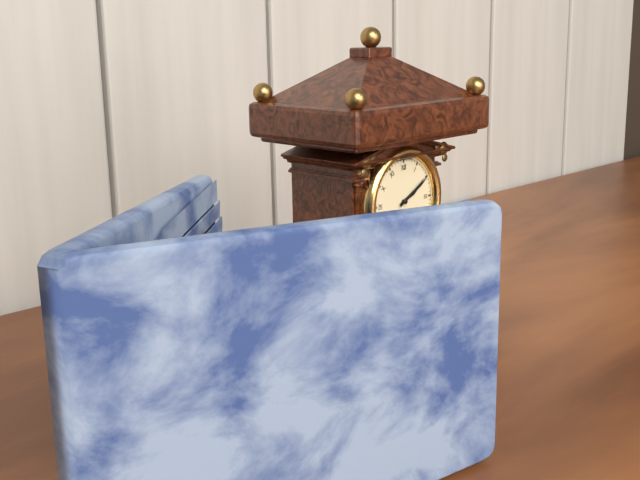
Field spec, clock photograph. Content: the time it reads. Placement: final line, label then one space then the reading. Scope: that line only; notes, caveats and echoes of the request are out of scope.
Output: 2:10
